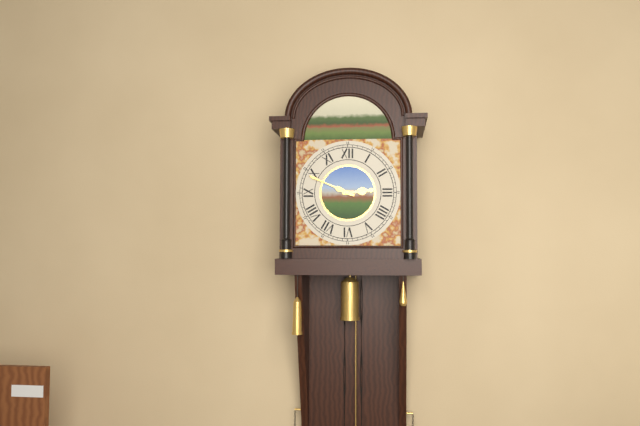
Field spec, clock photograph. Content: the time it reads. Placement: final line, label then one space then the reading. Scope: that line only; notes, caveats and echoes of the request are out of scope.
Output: 2:49
